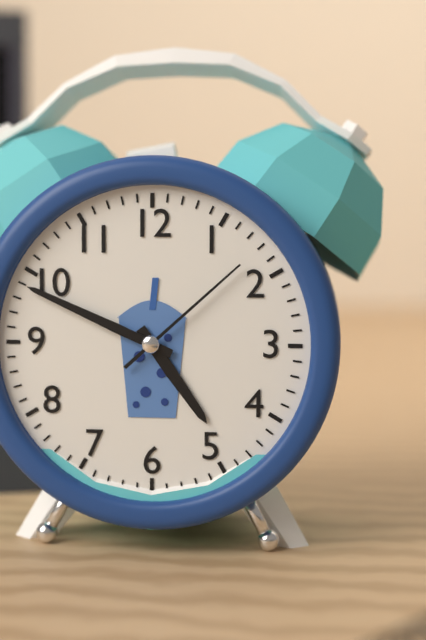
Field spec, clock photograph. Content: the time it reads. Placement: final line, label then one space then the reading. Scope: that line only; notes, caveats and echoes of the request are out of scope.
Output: 4:49:08
